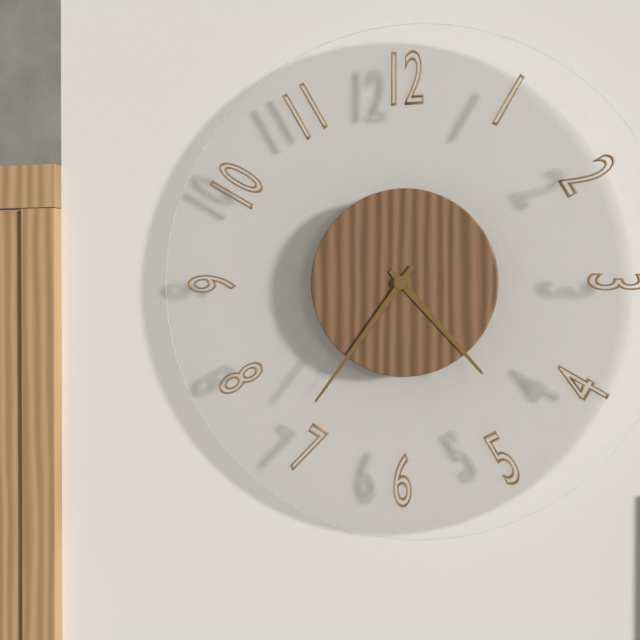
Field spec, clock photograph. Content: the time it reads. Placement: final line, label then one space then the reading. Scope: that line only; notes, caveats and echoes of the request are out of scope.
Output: 4:36
